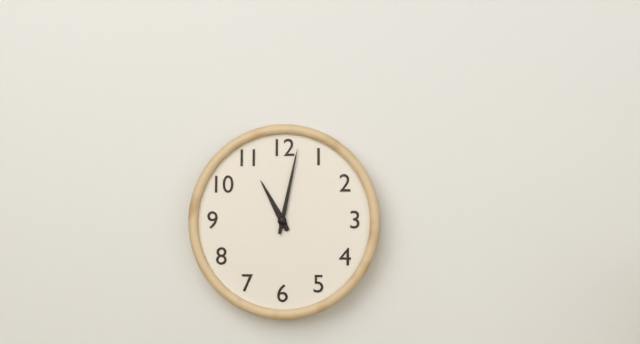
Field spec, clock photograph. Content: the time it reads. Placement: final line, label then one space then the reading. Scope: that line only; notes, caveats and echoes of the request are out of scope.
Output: 11:02
